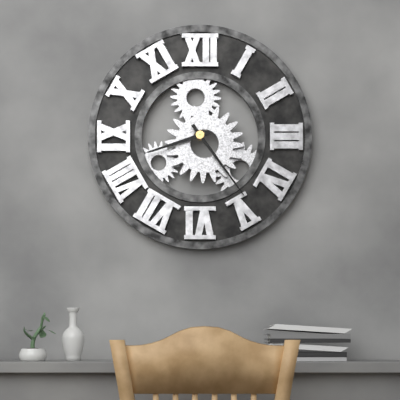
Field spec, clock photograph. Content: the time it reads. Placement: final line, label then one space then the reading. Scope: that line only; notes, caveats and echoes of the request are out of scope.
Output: 8:24
